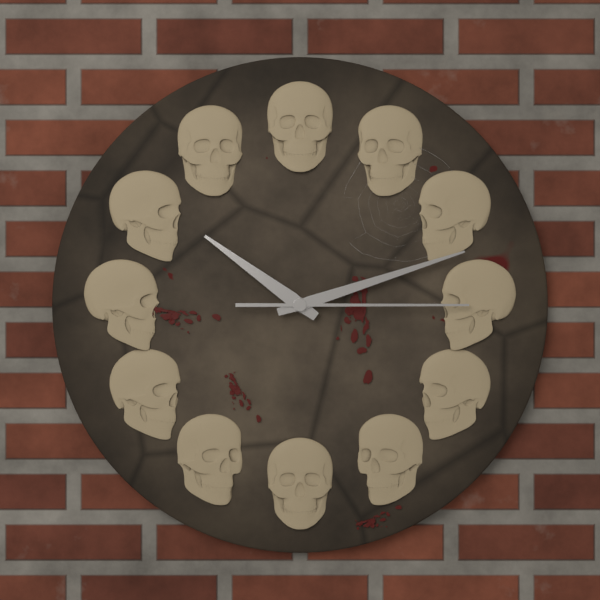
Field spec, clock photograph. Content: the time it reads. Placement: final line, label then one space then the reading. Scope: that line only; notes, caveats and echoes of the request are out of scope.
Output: 10:12:15
